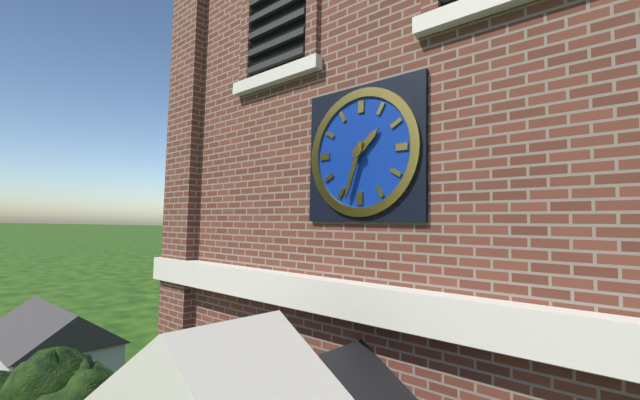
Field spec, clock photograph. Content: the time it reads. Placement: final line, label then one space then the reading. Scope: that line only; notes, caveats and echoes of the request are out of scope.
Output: 1:33
